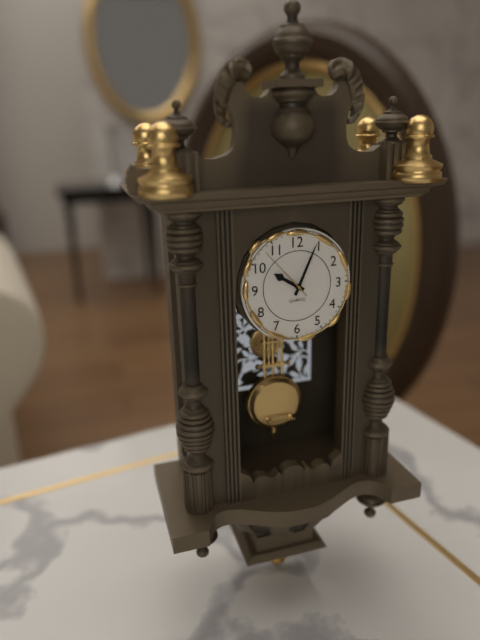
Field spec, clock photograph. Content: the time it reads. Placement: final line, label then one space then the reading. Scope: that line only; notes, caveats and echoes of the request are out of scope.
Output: 10:04:53
